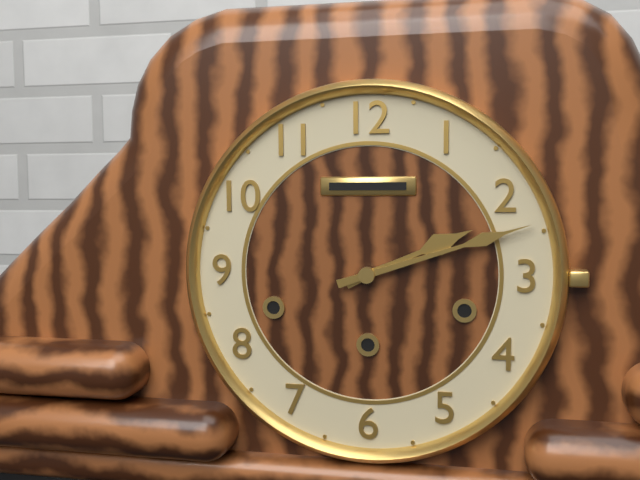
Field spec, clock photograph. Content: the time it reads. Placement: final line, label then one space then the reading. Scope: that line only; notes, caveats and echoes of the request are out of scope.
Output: 2:12
